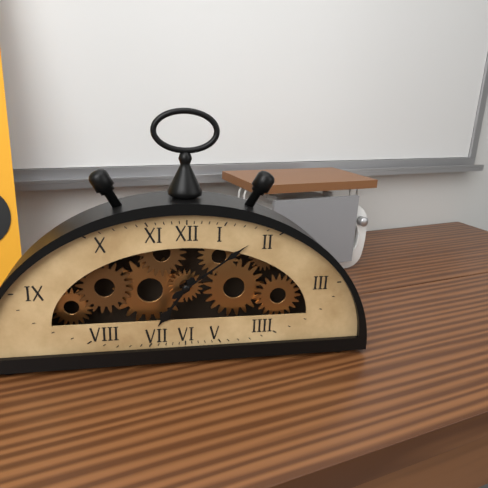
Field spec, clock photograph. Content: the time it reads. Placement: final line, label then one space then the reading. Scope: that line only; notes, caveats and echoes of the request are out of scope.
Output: 7:09
